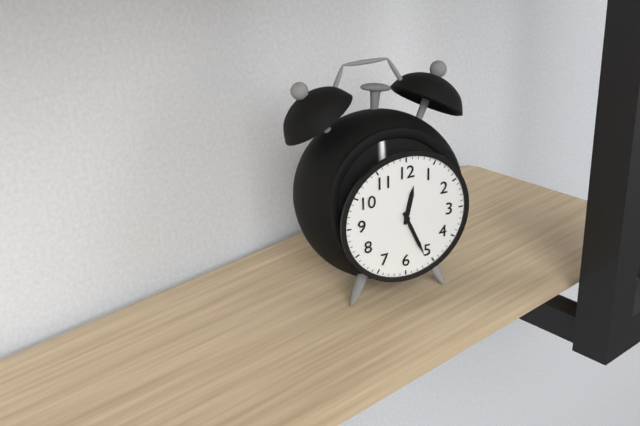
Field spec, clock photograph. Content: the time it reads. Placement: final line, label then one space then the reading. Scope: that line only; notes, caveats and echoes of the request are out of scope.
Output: 12:26
